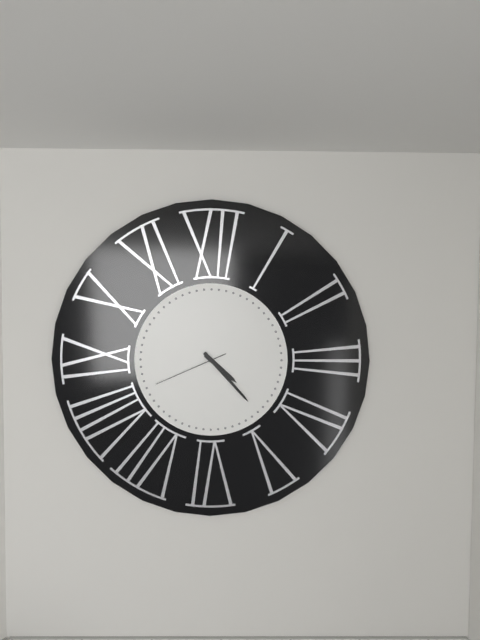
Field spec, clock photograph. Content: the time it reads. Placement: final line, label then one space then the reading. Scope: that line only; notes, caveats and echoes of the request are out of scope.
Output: 4:23:41
